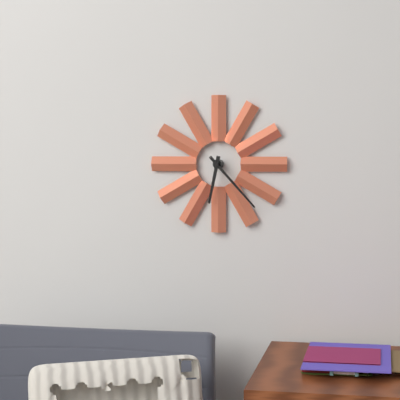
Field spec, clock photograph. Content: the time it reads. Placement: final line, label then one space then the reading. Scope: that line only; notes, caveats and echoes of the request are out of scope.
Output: 6:23
